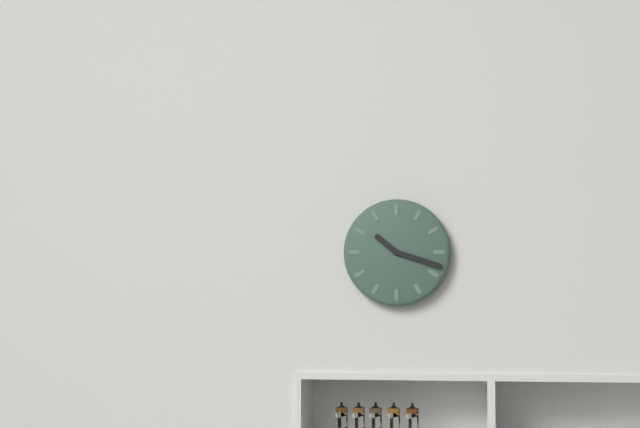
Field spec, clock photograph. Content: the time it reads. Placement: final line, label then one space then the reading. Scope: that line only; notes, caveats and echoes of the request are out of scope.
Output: 10:18
